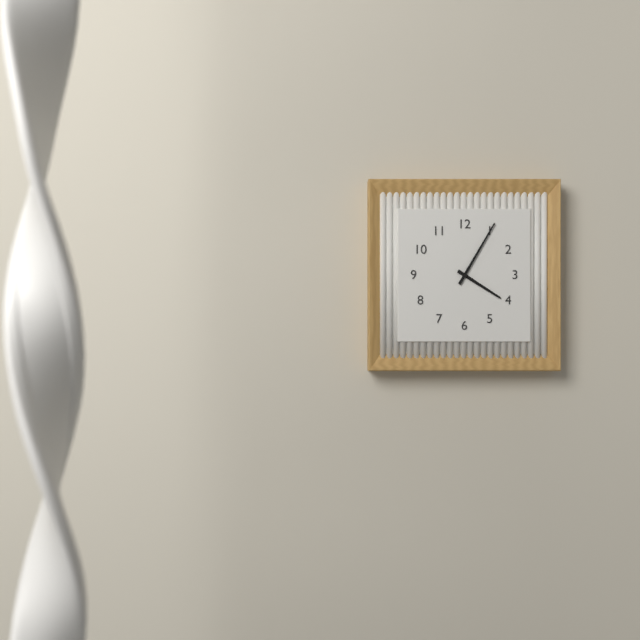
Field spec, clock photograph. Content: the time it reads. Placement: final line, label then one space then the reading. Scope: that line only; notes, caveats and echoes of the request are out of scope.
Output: 4:05
